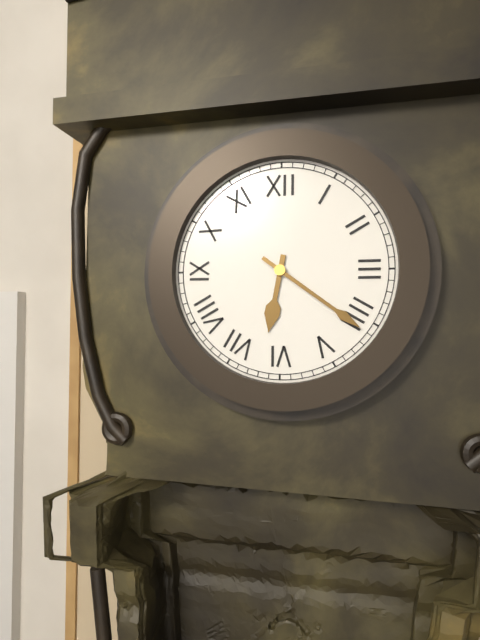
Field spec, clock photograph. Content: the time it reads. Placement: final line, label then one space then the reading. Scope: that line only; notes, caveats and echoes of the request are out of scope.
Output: 6:21
